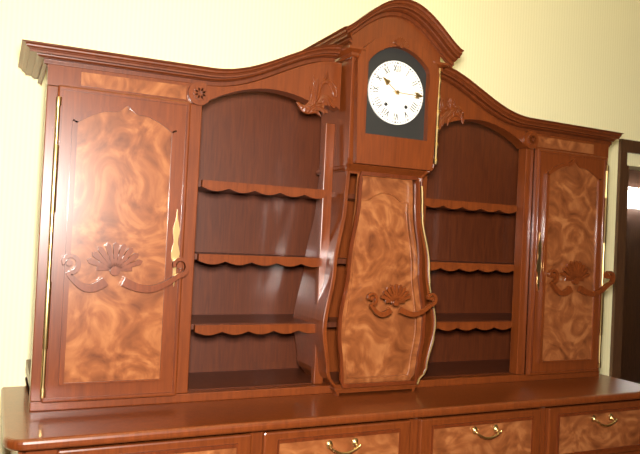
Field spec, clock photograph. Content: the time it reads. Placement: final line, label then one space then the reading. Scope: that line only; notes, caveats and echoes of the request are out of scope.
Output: 10:15
